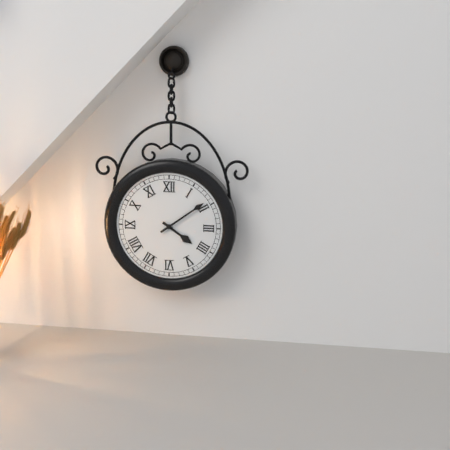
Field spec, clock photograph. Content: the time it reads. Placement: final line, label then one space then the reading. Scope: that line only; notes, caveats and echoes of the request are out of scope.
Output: 4:09
